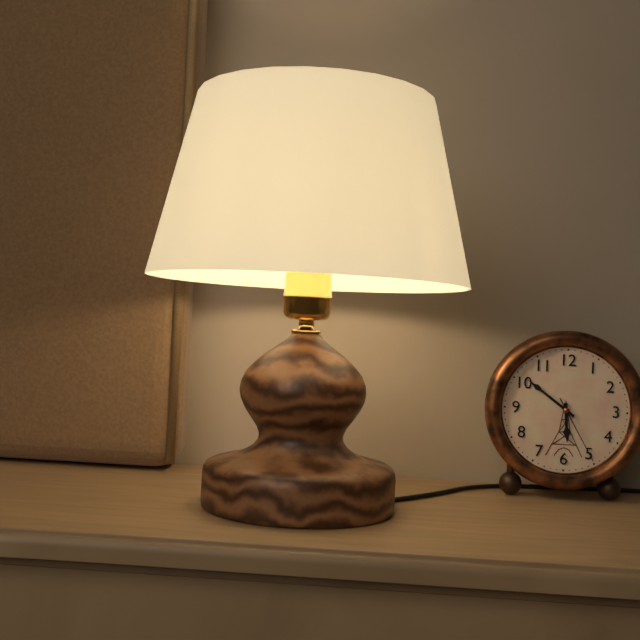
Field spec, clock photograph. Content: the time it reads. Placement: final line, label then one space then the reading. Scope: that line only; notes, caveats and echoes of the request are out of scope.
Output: 5:51:25
